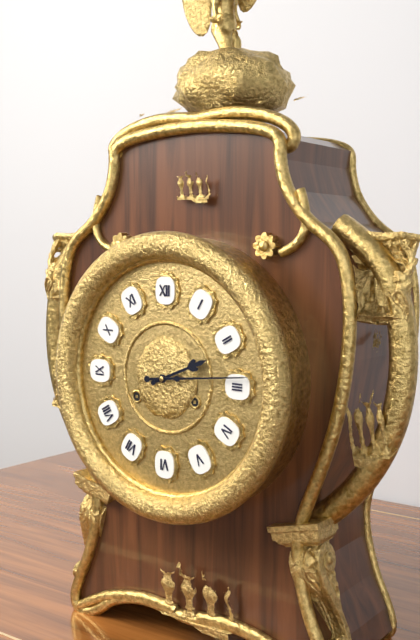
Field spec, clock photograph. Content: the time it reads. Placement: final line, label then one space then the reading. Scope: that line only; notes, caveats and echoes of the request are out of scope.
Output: 2:14
